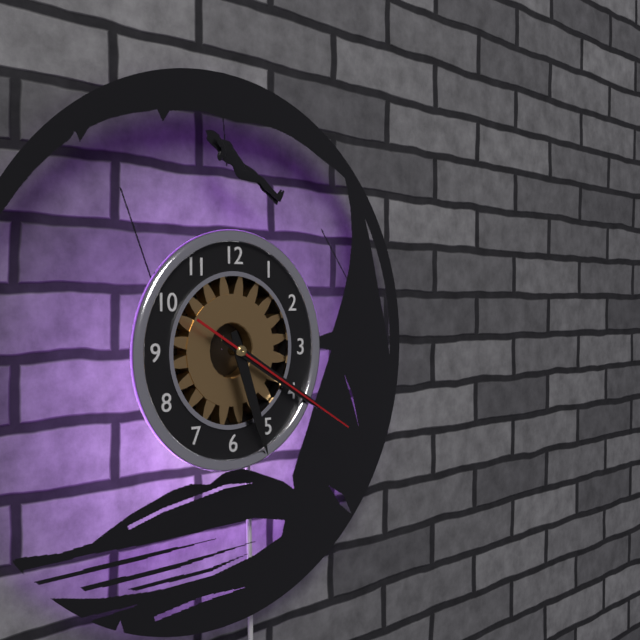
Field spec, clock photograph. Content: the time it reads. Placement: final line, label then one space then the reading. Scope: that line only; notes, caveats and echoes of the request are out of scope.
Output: 5:20:20
